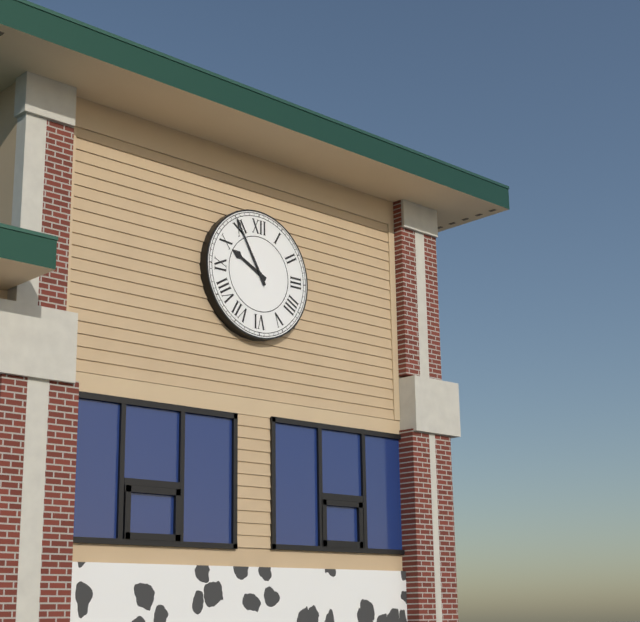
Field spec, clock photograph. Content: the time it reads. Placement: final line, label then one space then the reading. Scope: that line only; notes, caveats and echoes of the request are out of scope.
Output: 9:55
